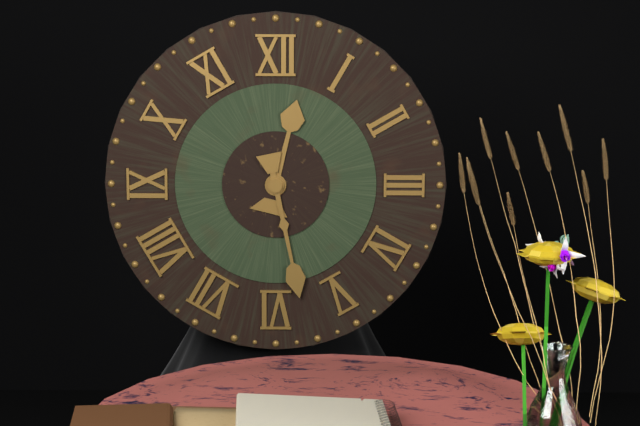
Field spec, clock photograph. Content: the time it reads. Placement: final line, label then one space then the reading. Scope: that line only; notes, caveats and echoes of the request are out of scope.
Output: 12:28
